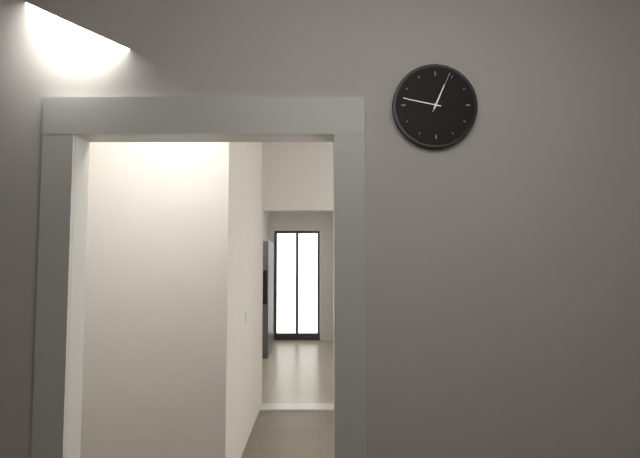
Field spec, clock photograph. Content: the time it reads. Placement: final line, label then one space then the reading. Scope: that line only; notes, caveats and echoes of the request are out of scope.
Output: 12:47
